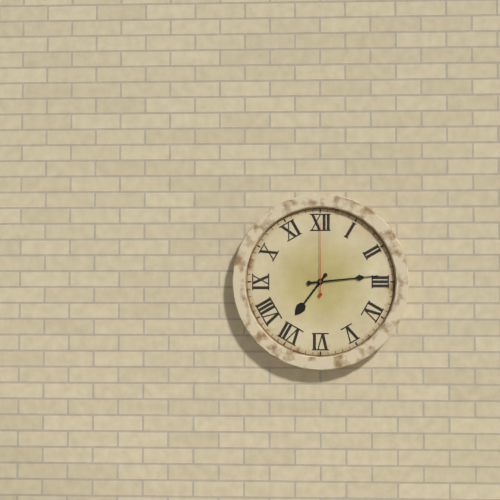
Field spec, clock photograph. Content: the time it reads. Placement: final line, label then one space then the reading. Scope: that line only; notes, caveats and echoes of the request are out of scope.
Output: 7:14:00
